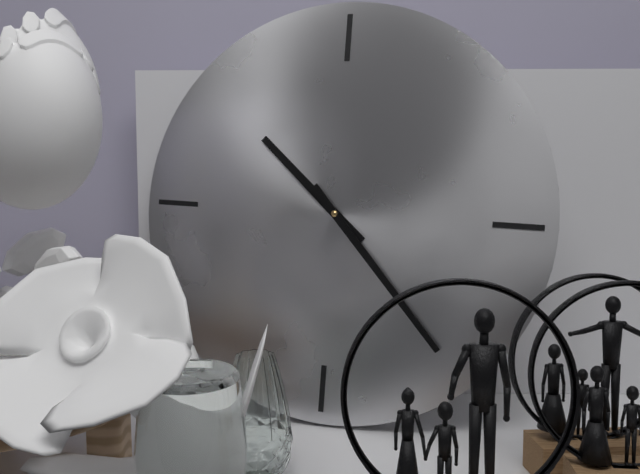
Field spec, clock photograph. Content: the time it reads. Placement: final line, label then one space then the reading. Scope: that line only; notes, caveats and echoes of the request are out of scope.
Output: 10:23
